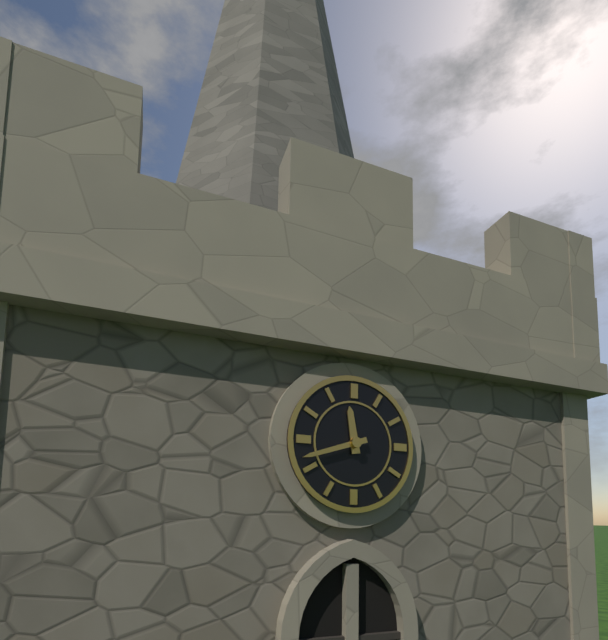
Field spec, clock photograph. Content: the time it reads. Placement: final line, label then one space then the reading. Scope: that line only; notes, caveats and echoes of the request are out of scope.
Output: 11:42
